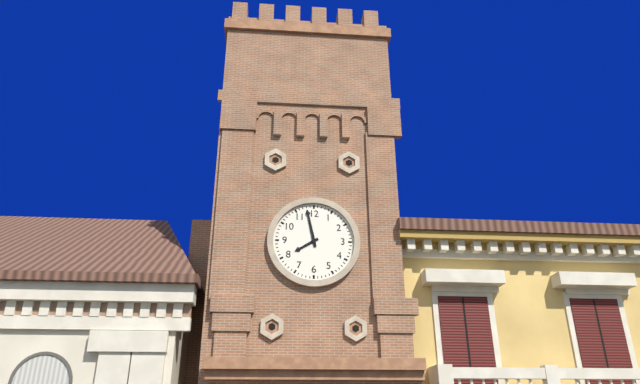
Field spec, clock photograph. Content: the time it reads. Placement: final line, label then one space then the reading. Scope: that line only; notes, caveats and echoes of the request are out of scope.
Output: 7:58
